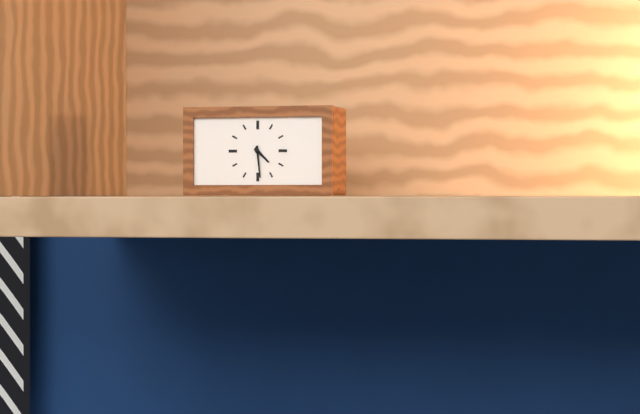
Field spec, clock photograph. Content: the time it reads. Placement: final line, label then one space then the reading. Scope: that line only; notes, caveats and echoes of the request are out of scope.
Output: 4:29
